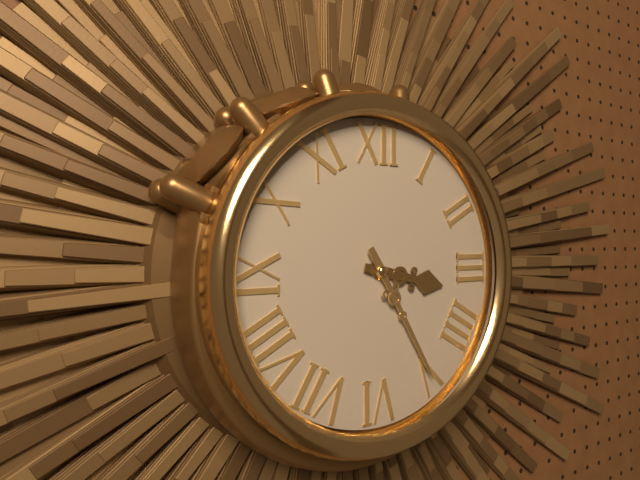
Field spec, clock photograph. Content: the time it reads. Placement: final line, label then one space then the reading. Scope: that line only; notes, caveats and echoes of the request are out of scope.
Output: 3:25
